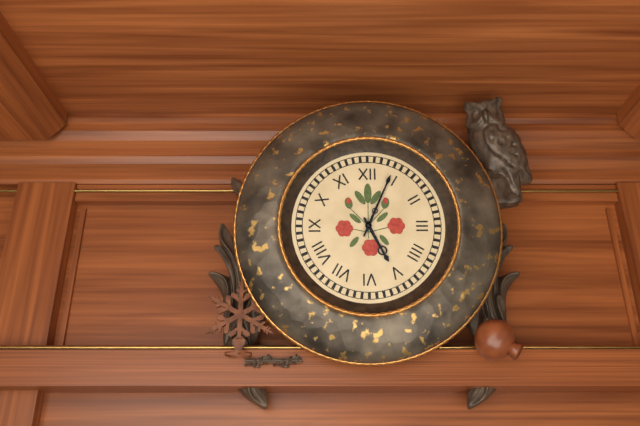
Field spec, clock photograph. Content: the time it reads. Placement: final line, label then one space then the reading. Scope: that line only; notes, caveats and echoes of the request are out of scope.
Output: 5:04
